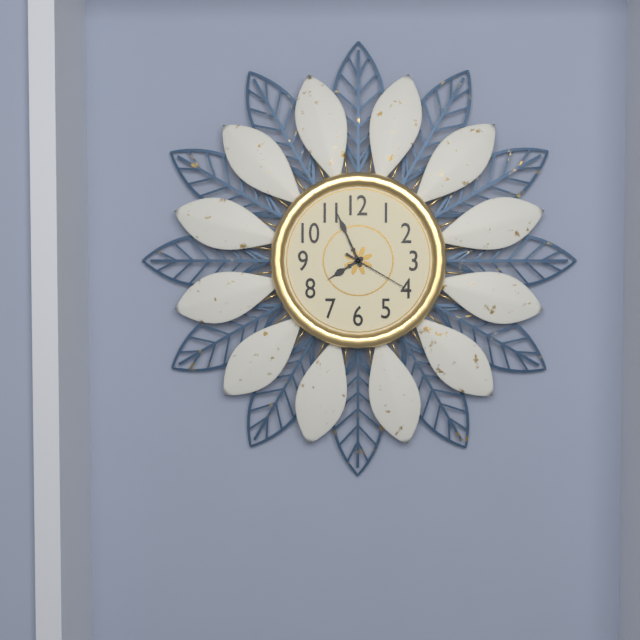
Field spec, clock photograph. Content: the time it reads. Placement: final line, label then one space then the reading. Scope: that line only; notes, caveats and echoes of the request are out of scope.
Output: 7:56:20
